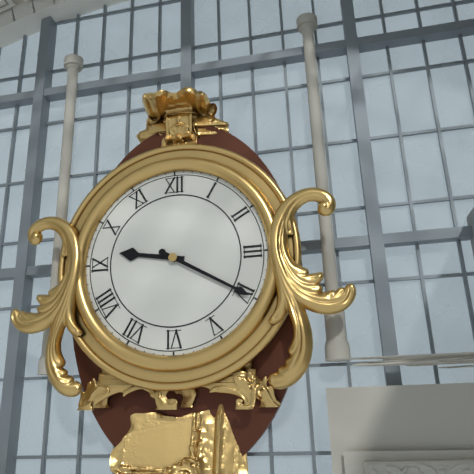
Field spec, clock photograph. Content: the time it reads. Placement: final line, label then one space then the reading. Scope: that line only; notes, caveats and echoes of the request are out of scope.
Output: 9:20
